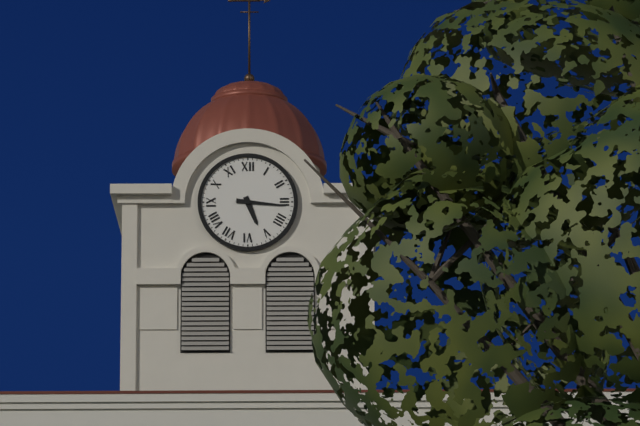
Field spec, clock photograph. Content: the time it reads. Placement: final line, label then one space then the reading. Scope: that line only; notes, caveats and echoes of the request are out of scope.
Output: 5:16
